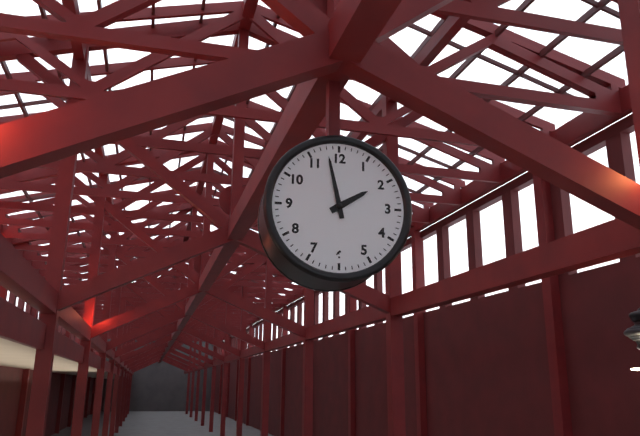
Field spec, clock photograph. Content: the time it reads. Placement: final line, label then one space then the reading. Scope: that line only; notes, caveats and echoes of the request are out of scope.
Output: 1:58
